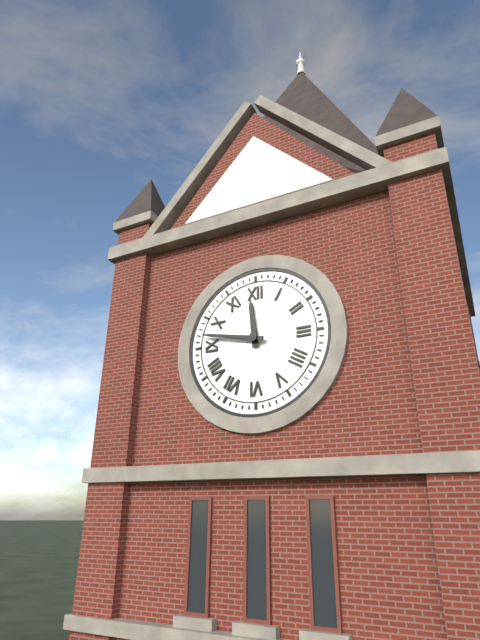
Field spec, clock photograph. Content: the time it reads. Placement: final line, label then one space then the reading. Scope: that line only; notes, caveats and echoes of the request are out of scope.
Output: 11:47
